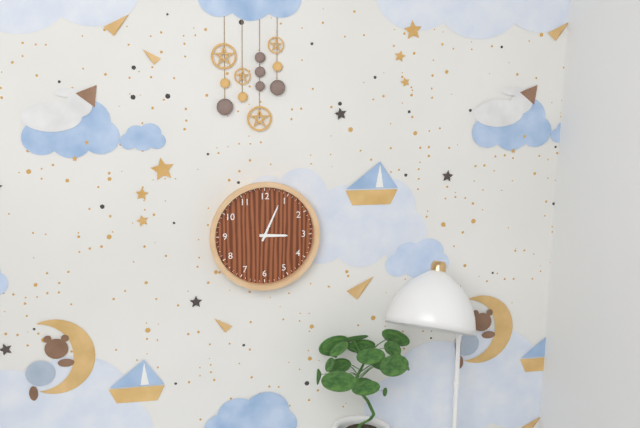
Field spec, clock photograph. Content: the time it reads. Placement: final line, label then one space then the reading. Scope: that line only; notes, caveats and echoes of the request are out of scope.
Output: 3:04
